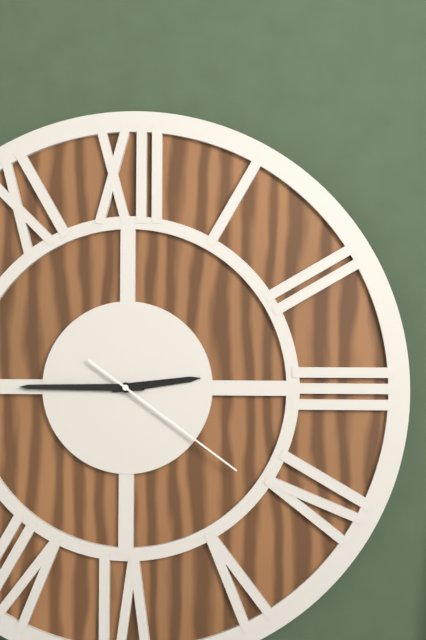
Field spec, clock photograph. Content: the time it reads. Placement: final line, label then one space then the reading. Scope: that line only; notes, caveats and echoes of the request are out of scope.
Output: 2:45:21
